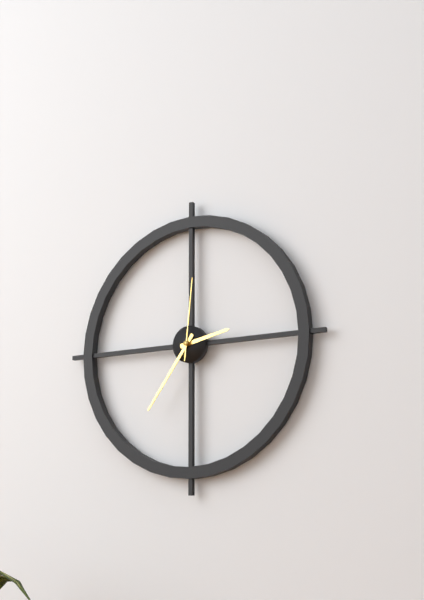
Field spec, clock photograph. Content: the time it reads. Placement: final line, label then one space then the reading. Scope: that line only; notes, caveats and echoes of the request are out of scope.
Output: 2:36:01
